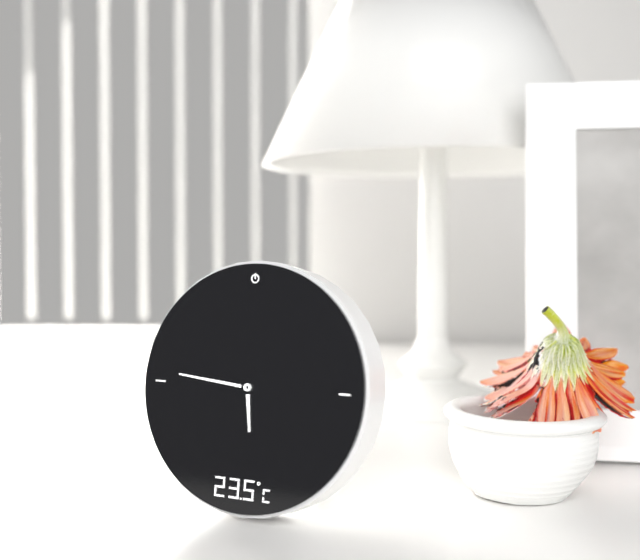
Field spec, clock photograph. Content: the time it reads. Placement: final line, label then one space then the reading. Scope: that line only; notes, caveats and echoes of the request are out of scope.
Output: 5:46
